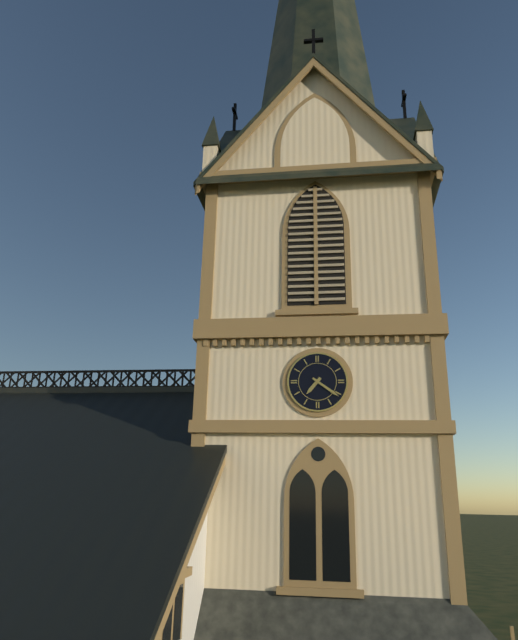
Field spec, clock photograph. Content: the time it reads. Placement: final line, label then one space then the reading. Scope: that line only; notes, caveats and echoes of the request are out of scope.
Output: 7:21
